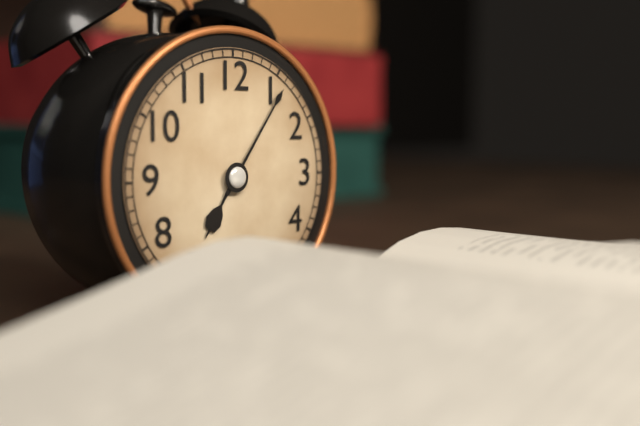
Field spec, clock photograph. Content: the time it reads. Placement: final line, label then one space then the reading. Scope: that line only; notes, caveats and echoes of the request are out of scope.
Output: 7:06
